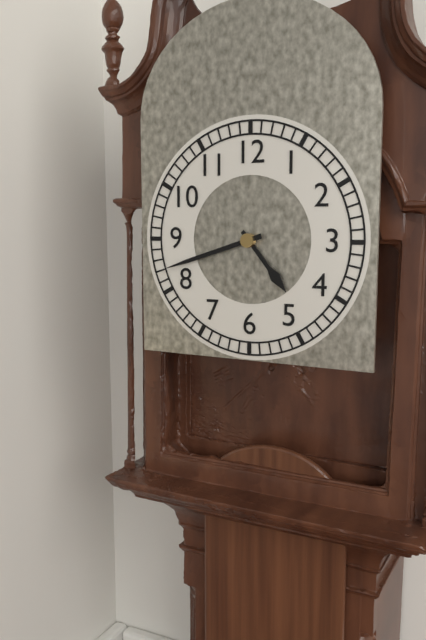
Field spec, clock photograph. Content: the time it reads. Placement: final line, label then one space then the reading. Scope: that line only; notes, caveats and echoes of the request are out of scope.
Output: 4:42
